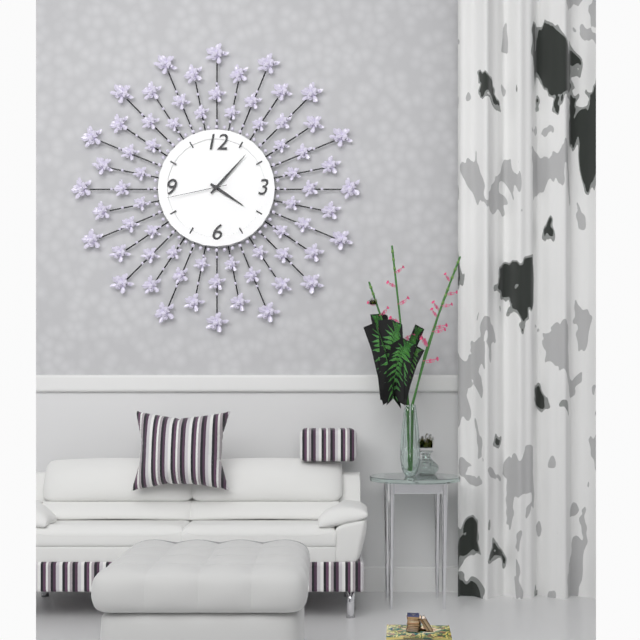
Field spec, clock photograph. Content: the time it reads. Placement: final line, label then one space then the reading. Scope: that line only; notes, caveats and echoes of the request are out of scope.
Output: 4:07:43
